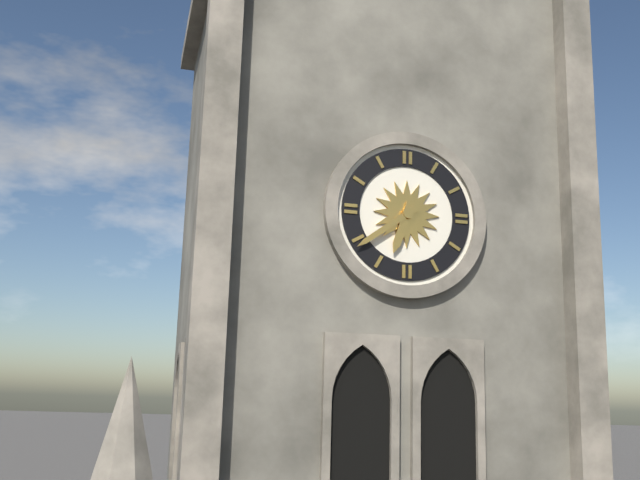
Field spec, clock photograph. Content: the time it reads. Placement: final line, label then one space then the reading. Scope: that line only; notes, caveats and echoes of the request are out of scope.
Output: 6:39
